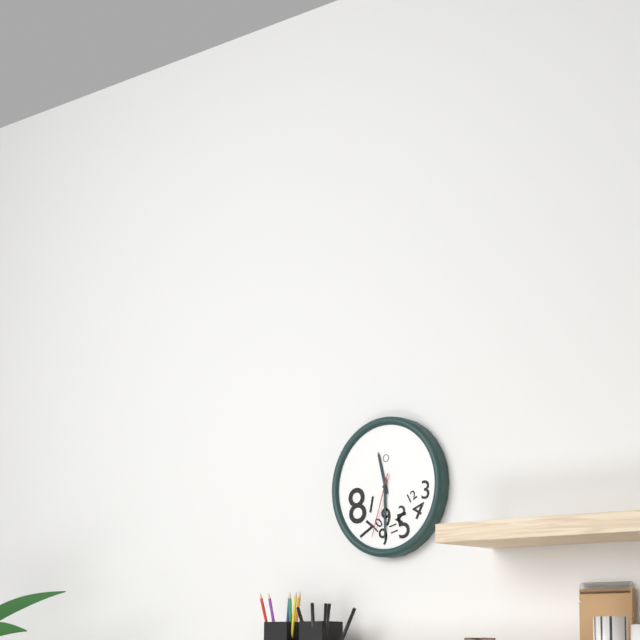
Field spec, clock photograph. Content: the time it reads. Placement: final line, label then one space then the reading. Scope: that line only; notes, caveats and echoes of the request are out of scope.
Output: 11:30:33
